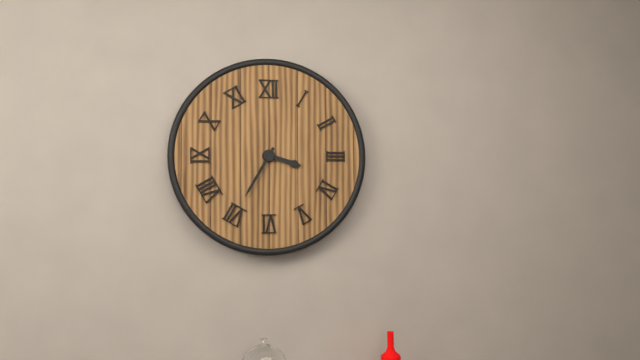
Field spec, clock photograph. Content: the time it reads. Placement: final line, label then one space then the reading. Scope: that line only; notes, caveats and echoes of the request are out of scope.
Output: 3:35
